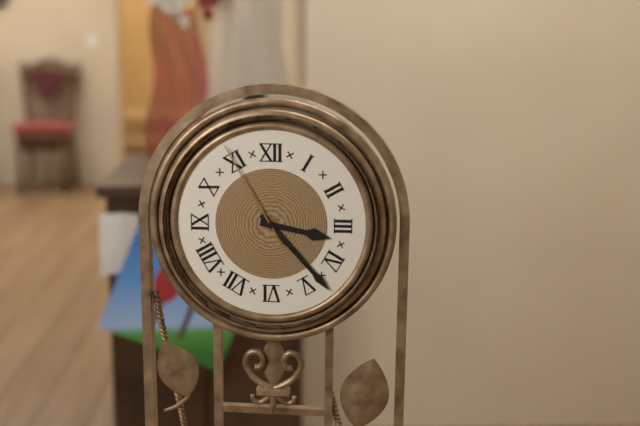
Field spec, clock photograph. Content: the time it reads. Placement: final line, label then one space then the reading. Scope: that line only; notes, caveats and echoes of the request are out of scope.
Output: 3:23:55
